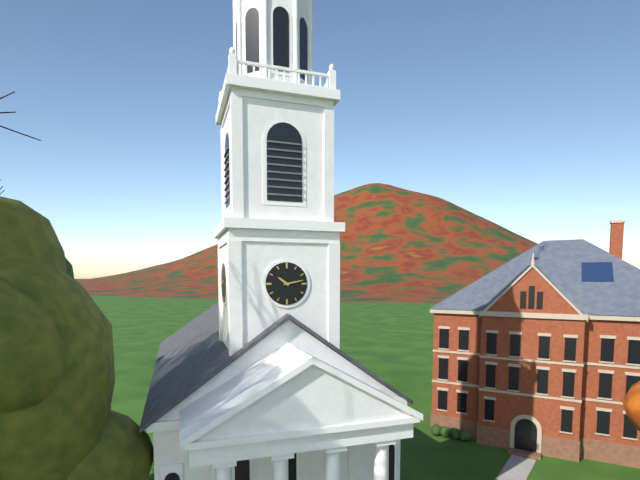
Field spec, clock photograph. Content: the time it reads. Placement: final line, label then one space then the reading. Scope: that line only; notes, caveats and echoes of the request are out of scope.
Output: 10:13
